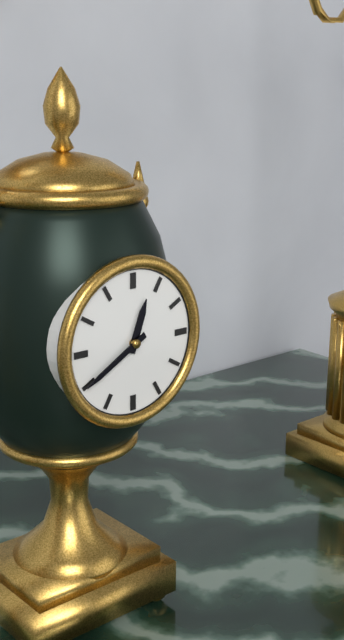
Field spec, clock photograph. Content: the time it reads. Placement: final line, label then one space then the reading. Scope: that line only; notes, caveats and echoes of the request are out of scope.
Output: 12:40
